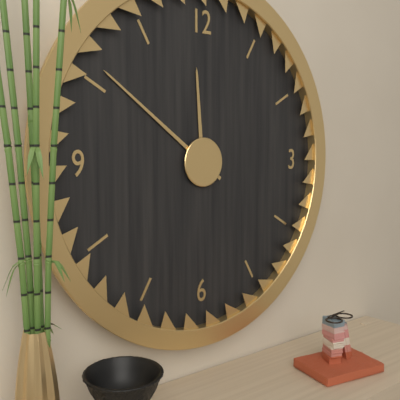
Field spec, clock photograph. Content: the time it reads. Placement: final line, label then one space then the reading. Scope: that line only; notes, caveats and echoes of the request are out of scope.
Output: 11:51
